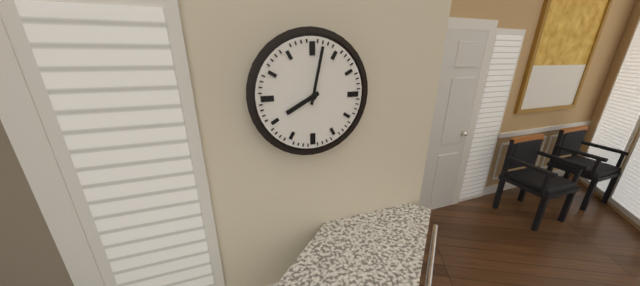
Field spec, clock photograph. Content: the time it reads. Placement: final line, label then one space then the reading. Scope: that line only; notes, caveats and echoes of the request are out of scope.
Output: 8:02
